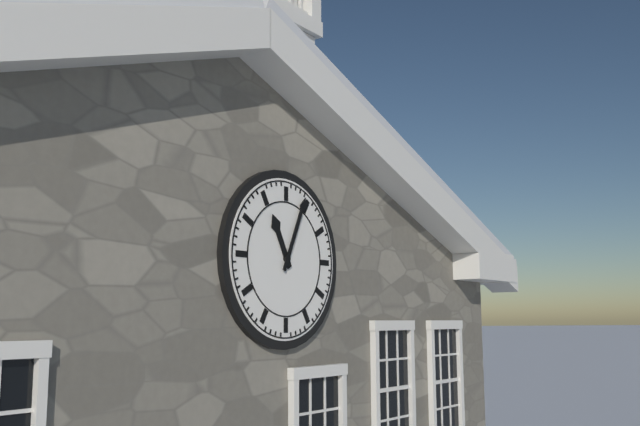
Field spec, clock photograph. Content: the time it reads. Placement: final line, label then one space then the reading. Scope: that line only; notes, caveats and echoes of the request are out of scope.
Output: 11:04
